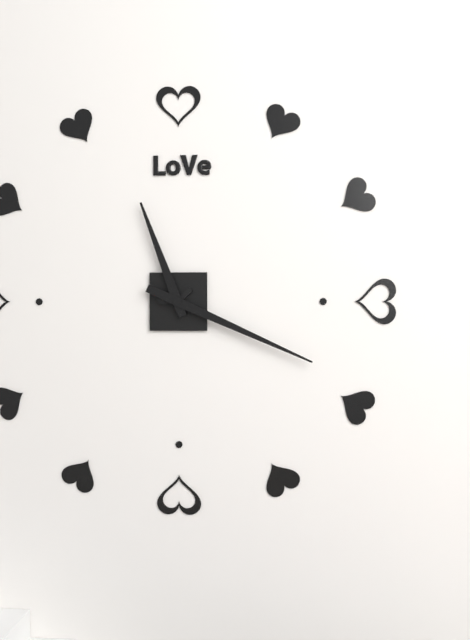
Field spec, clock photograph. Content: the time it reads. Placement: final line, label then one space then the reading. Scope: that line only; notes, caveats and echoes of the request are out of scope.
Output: 11:19
